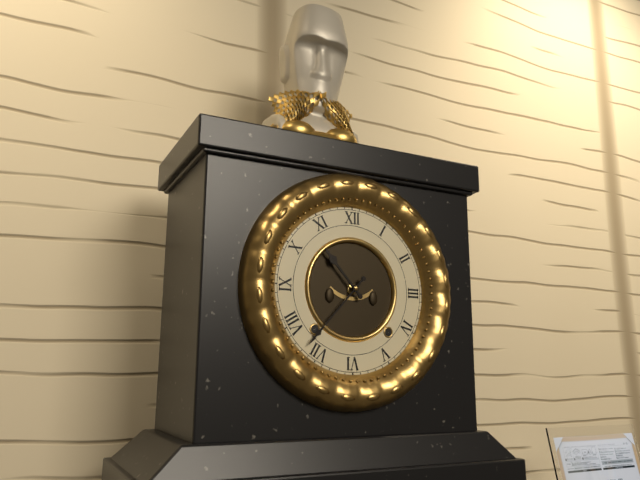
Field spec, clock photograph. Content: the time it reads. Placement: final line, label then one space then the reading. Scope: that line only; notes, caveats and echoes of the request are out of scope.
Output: 10:37
